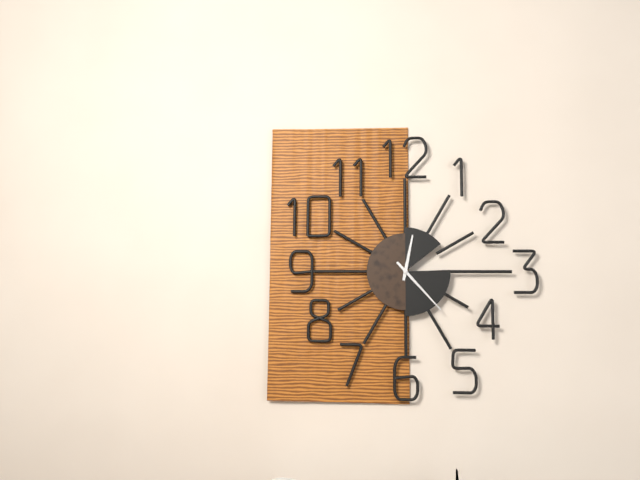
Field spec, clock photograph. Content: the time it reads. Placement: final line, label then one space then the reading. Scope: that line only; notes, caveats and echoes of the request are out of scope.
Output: 12:23
